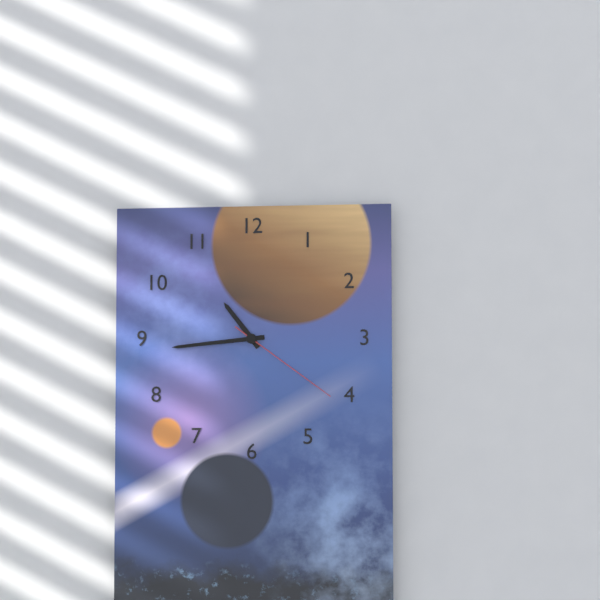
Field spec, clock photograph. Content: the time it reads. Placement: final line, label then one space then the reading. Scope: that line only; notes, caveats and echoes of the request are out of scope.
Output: 10:44:21
